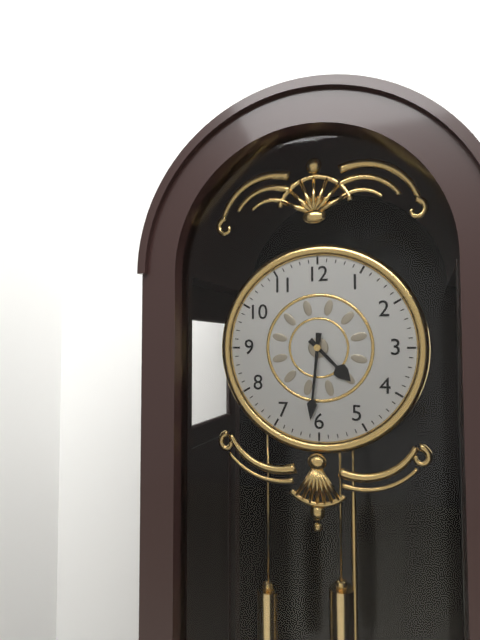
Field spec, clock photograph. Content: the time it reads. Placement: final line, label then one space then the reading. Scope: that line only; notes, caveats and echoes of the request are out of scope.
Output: 4:31
